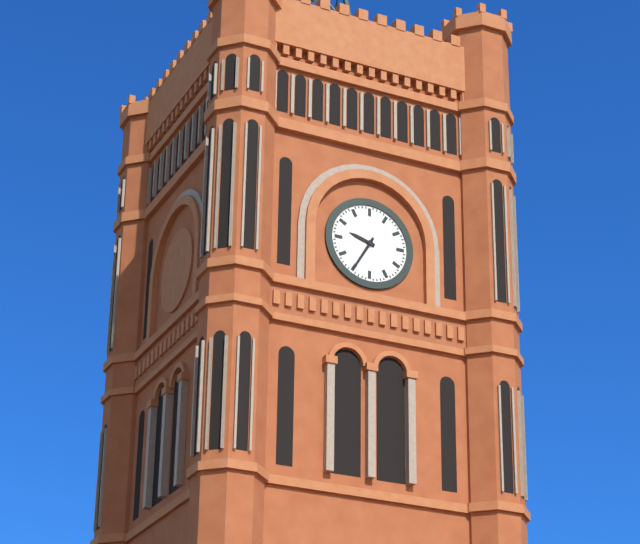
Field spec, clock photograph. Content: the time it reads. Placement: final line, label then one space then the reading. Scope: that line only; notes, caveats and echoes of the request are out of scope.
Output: 9:35
